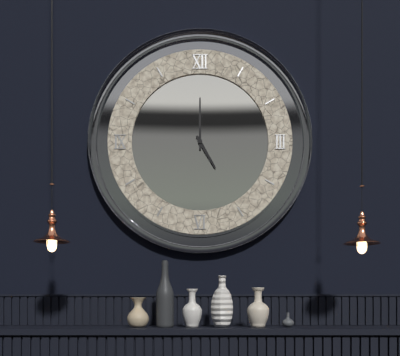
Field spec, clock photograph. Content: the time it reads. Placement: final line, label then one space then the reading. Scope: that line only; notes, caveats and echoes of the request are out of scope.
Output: 5:00
